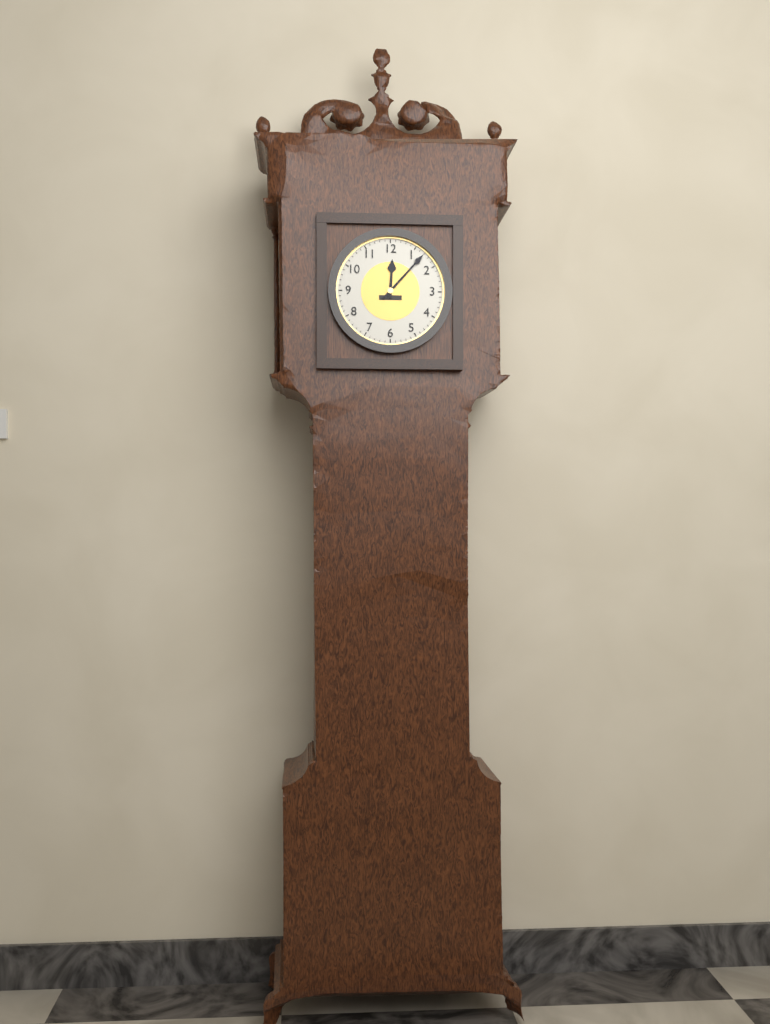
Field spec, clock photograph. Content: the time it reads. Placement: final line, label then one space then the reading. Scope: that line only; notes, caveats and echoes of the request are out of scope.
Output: 12:07
